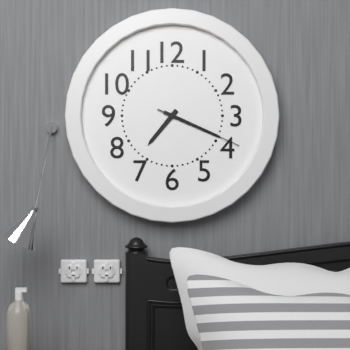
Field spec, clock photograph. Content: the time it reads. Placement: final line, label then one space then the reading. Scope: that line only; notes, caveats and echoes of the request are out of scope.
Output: 7:19:19
